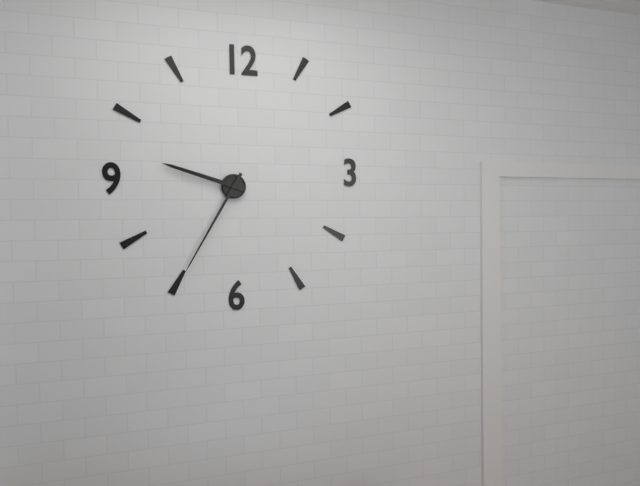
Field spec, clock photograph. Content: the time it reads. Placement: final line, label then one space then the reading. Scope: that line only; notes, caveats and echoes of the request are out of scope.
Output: 9:35
